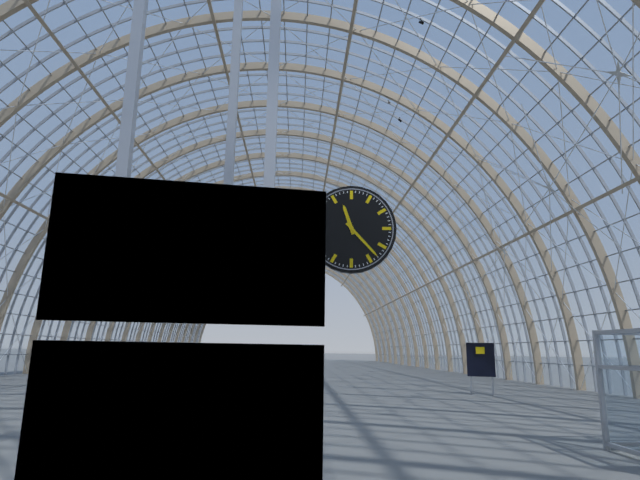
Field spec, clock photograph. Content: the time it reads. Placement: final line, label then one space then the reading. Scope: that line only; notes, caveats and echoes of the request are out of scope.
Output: 11:23
